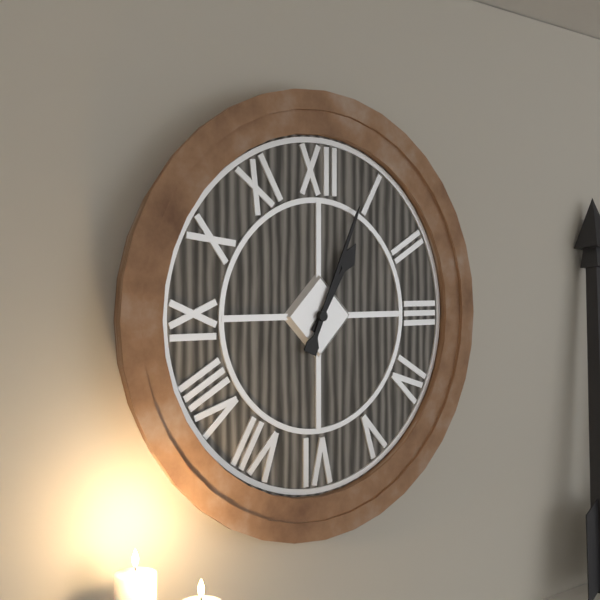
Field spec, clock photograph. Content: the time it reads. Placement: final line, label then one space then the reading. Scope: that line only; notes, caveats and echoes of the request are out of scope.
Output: 1:04
